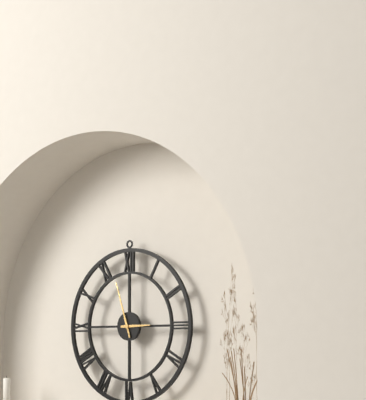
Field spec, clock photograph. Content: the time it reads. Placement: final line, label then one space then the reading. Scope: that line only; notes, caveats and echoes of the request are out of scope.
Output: 2:57
